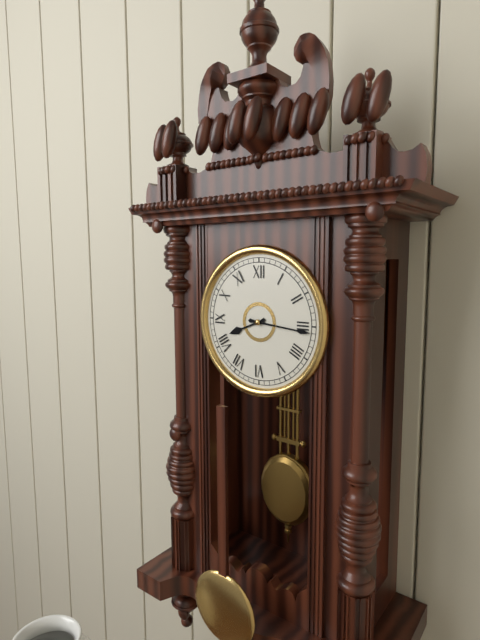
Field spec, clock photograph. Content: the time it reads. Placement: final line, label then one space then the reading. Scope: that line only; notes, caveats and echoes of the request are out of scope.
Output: 8:16
